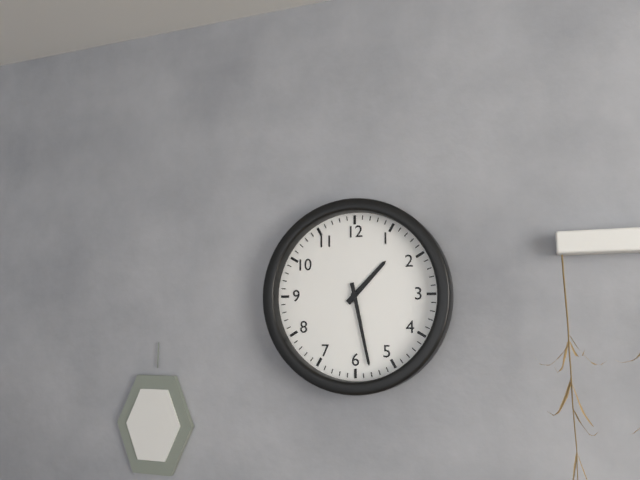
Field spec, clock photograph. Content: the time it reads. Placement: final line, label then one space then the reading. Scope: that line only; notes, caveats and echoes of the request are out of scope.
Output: 1:28
